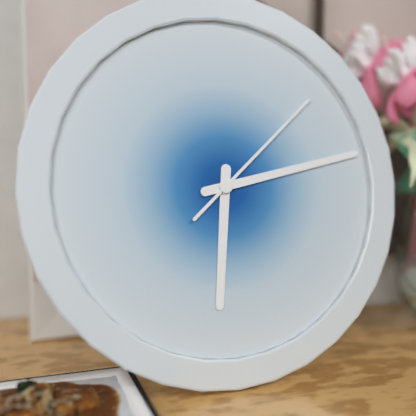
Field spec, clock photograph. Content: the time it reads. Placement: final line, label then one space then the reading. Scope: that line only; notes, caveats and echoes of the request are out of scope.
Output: 6:13:08
